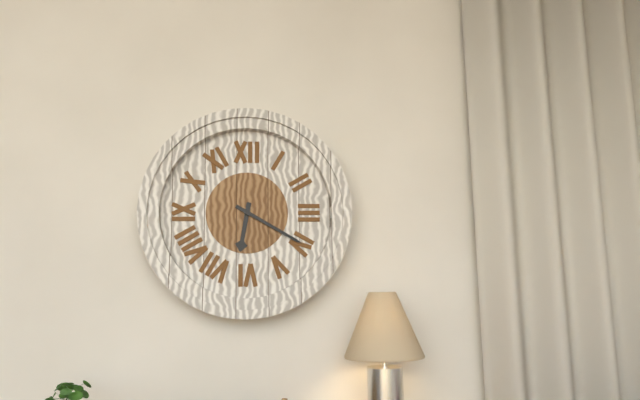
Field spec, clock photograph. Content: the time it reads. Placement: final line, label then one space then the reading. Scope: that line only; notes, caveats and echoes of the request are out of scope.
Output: 6:20
